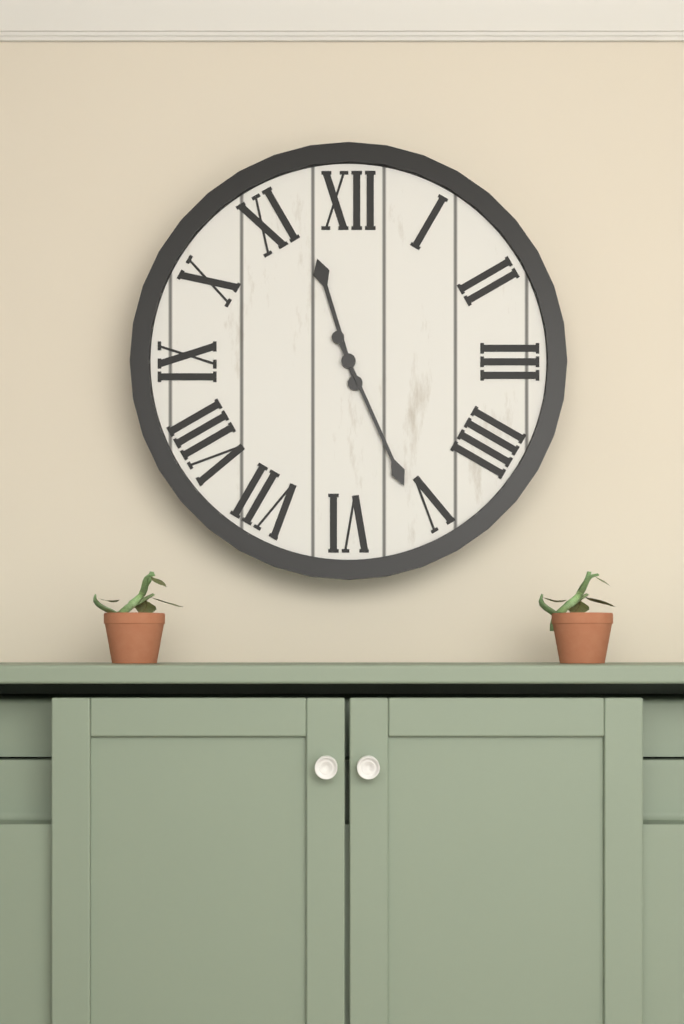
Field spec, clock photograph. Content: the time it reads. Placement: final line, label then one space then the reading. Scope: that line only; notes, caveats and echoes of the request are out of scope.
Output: 11:26
